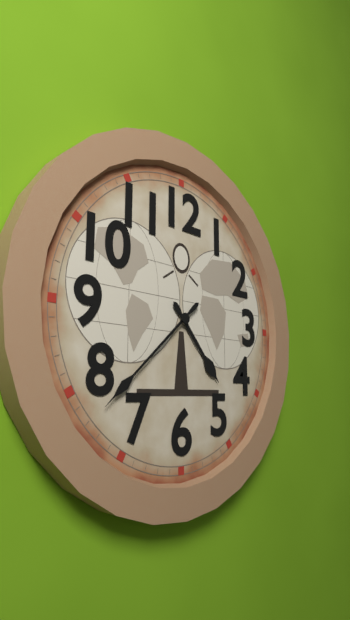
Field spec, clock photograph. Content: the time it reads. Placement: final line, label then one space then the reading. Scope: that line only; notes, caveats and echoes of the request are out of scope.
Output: 4:38
